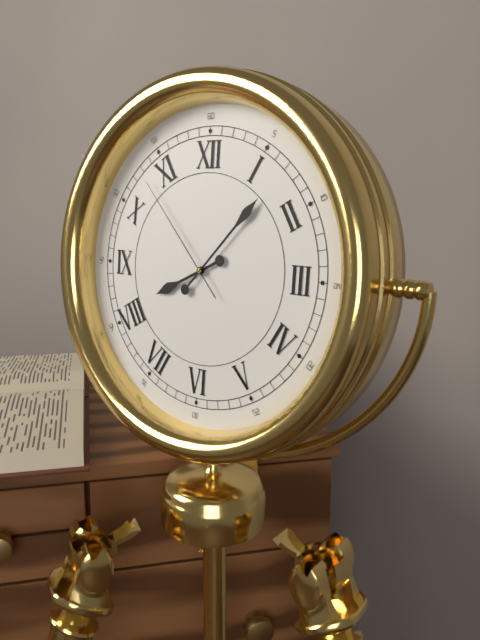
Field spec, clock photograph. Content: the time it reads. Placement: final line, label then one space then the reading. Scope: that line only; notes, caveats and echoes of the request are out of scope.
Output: 8:07:53
